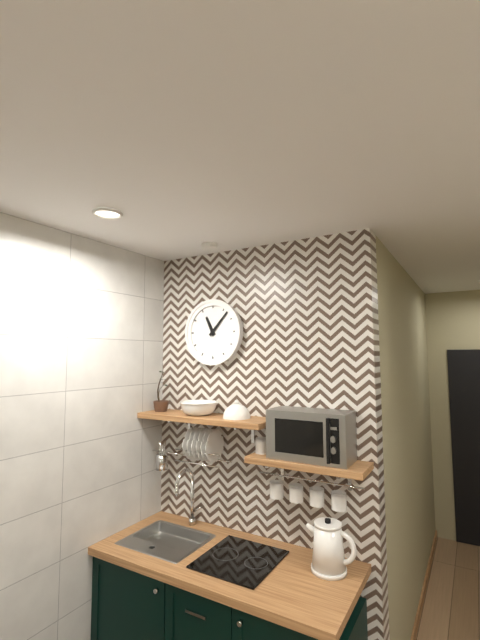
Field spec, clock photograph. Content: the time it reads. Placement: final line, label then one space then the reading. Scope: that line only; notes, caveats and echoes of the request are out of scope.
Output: 11:07
